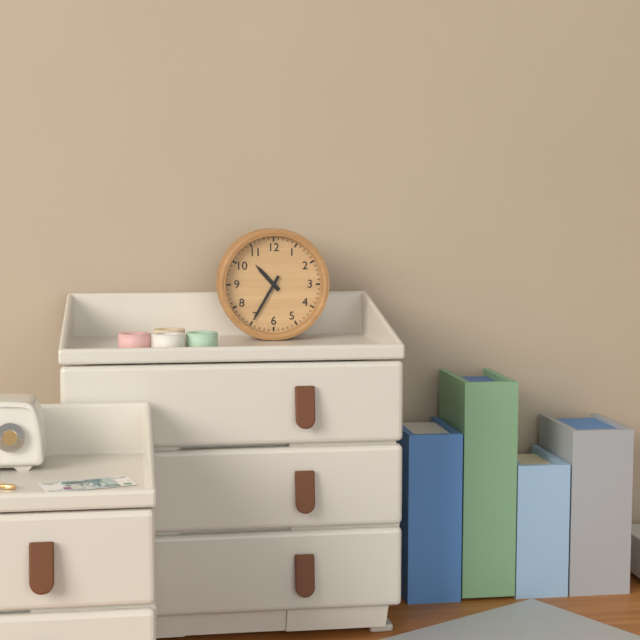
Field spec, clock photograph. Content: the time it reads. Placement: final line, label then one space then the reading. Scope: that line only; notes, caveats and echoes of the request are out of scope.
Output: 10:35
